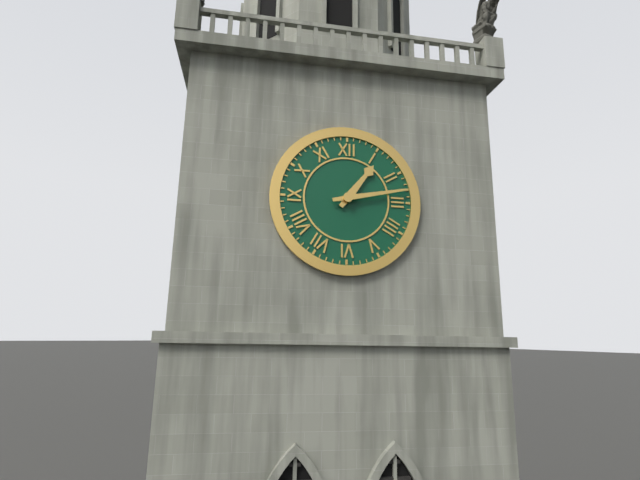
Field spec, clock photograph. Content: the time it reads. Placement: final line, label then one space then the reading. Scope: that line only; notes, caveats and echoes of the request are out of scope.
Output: 1:13
